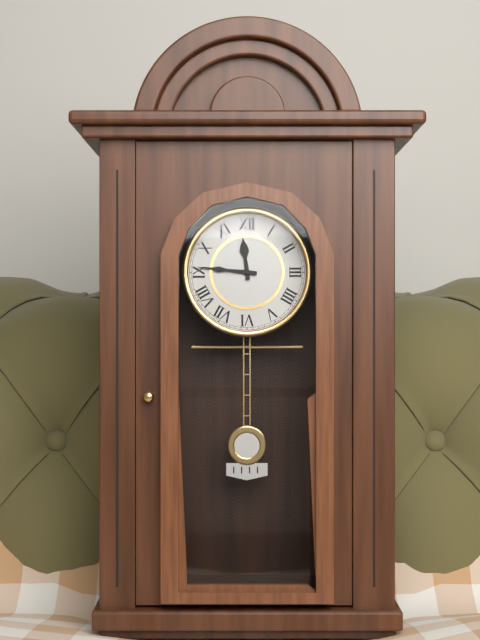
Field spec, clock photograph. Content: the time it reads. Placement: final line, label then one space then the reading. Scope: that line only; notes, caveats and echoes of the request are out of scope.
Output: 11:46
